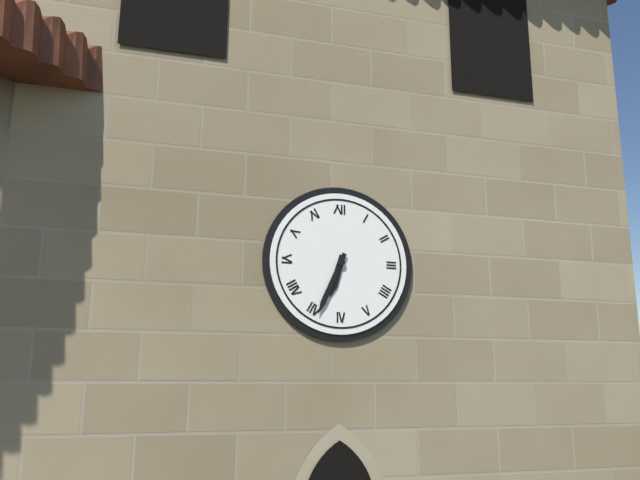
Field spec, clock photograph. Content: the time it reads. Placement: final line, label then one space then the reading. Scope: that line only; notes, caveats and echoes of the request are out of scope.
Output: 6:34
